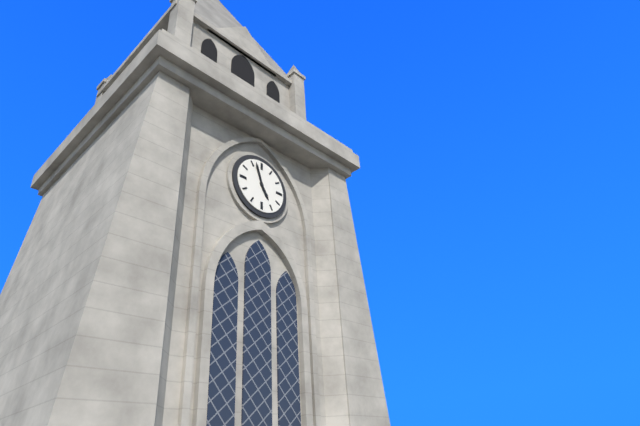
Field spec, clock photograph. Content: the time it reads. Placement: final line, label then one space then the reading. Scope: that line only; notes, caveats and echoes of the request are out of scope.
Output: 4:57
